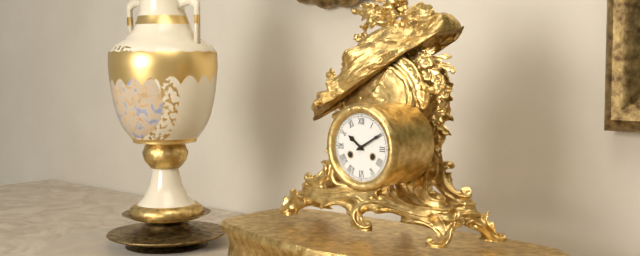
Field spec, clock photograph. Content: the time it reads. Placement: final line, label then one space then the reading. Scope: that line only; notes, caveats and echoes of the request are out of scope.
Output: 10:10
